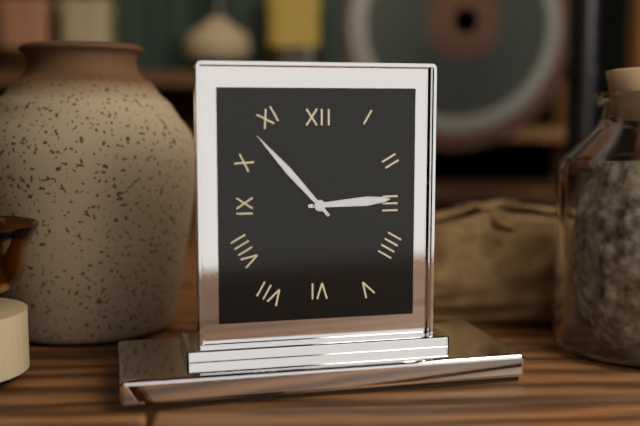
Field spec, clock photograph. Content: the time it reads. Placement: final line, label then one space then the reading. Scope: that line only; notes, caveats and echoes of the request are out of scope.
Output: 2:53
